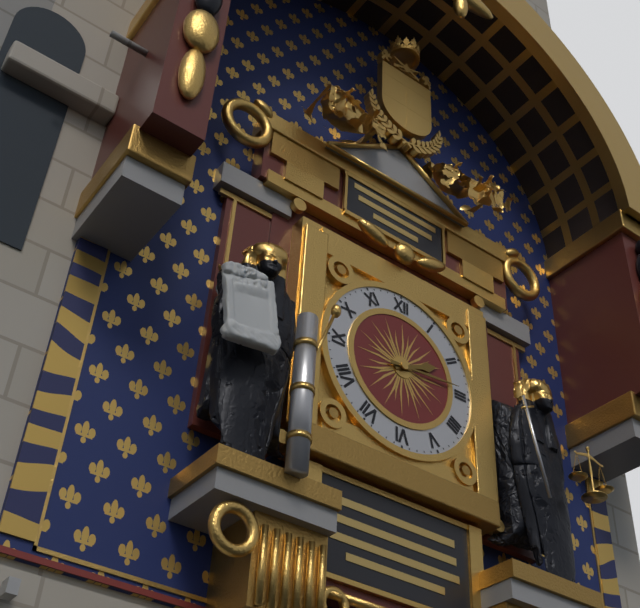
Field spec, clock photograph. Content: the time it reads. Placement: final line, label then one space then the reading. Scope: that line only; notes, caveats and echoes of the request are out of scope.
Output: 2:14
